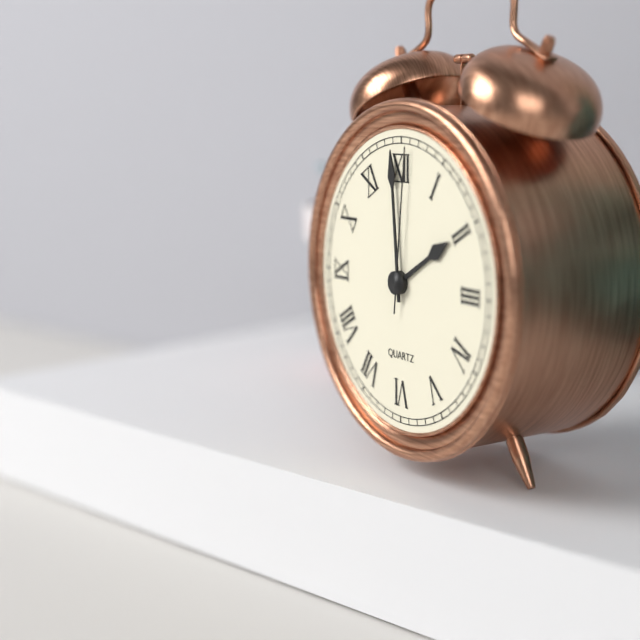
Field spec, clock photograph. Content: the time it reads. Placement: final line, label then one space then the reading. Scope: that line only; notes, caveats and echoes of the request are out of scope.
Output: 1:59:01
